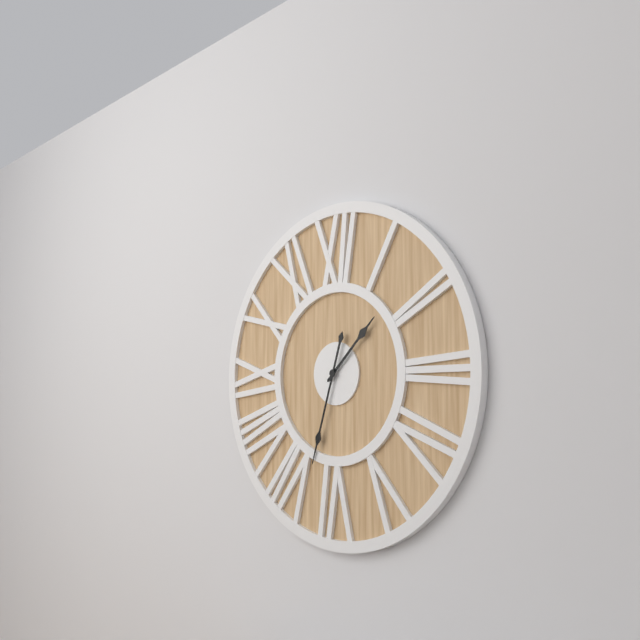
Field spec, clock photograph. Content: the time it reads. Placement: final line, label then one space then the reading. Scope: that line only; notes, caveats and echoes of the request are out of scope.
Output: 1:33
